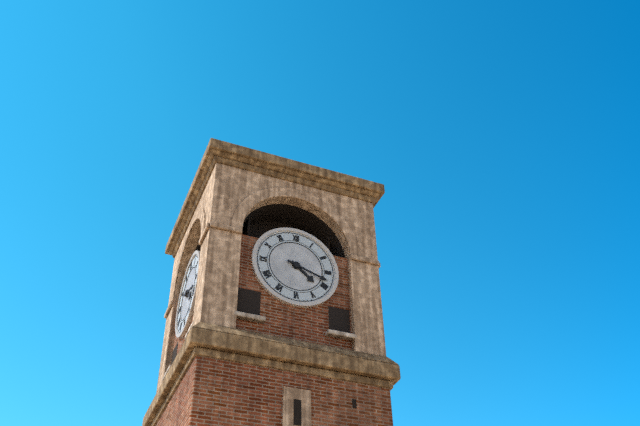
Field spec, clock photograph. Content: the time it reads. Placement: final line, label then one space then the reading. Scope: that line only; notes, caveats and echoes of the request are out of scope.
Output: 4:18
